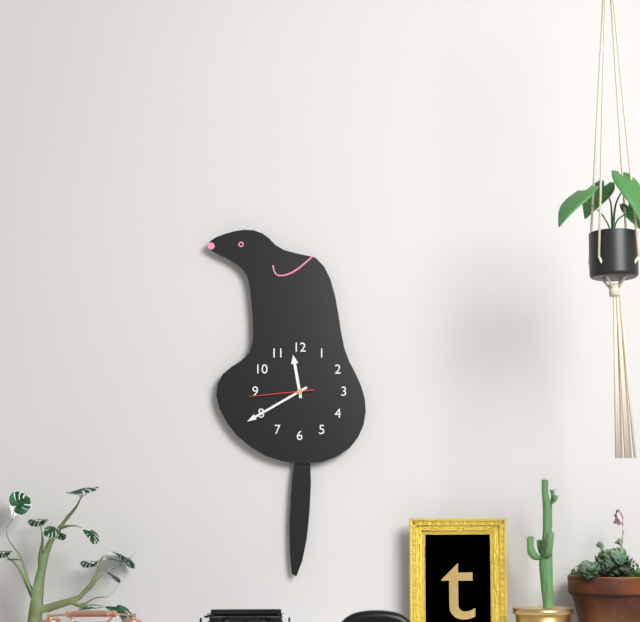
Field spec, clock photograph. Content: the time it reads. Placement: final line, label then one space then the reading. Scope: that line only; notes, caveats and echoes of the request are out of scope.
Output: 11:40:44
